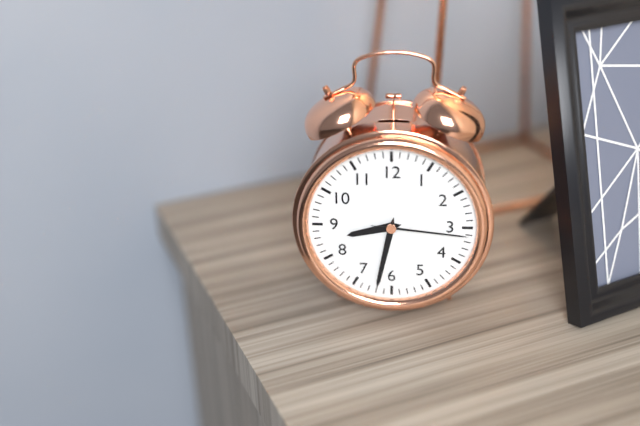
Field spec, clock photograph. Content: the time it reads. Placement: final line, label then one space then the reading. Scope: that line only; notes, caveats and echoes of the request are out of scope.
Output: 8:32:16
